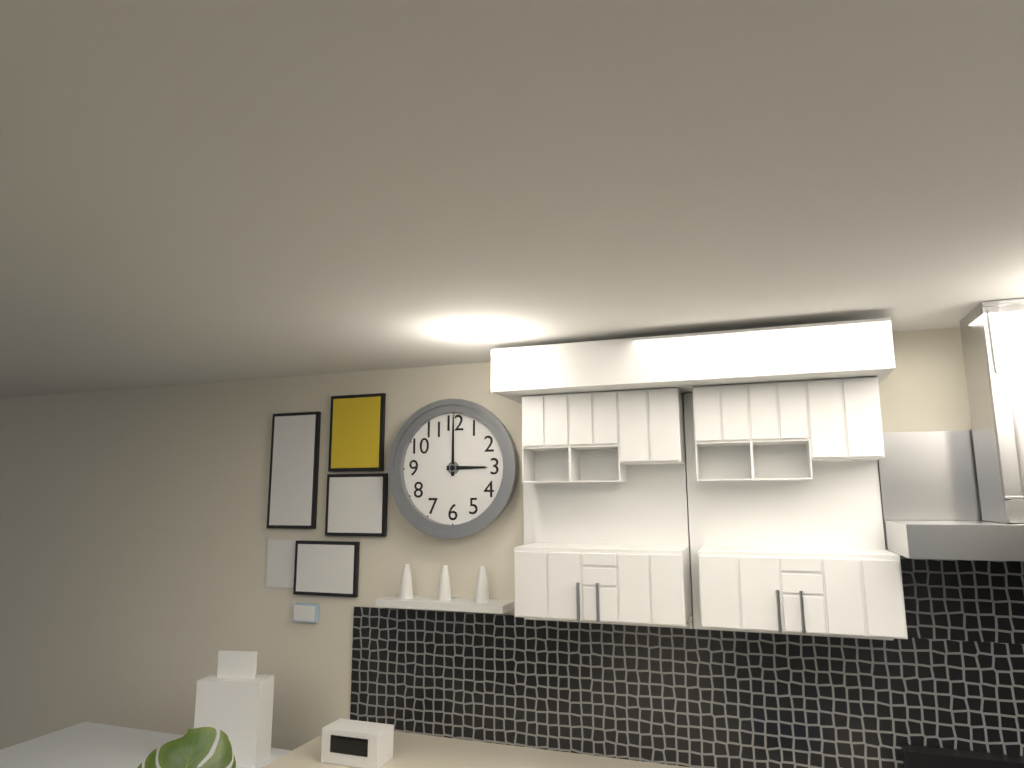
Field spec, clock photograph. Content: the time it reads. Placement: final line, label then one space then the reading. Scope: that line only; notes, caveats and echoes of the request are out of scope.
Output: 3:00
